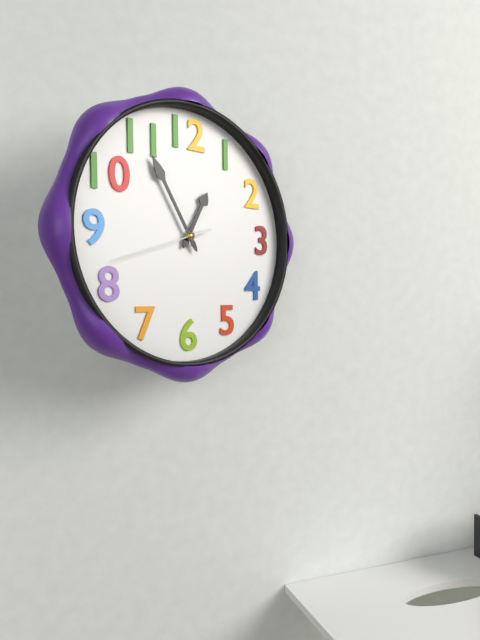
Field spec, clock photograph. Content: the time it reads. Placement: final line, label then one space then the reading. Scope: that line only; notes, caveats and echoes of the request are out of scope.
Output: 12:55:42
